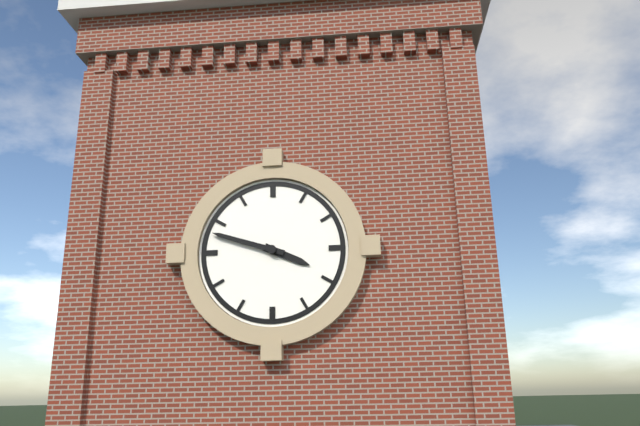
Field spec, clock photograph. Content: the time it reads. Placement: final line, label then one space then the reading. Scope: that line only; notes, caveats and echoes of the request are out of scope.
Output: 3:48
